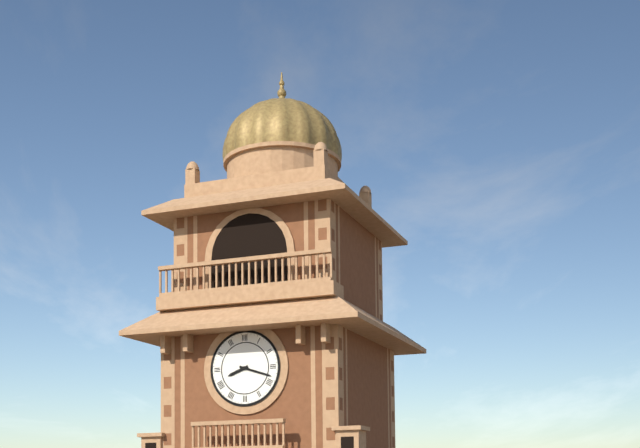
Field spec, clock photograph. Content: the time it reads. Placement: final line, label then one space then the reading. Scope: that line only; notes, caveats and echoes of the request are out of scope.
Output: 8:18
